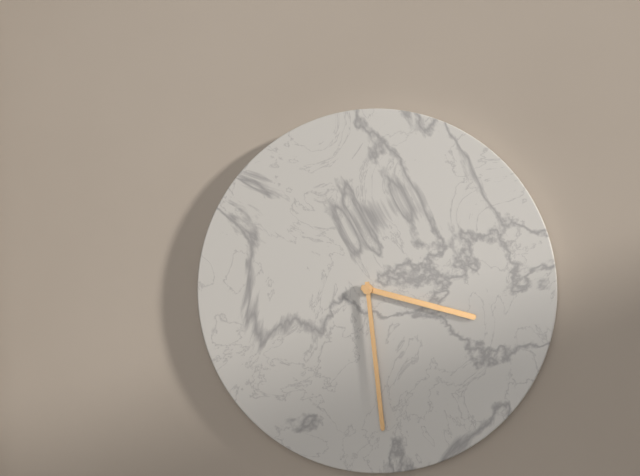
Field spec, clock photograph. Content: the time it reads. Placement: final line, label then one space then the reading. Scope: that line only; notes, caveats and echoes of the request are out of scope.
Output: 3:29
